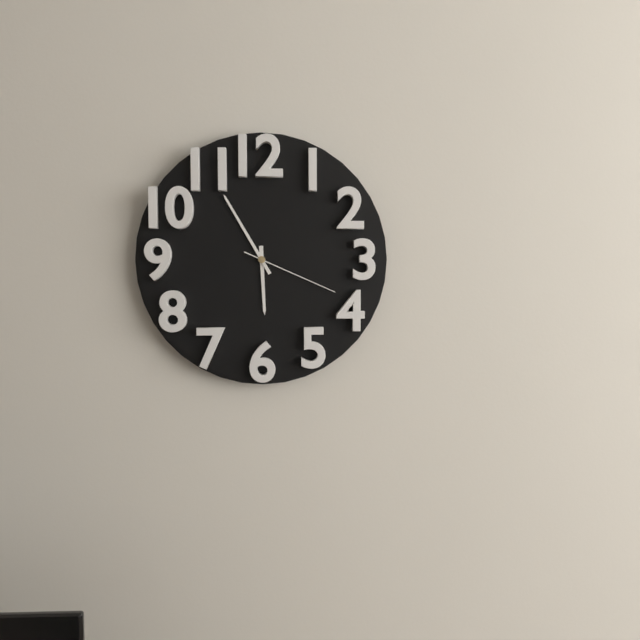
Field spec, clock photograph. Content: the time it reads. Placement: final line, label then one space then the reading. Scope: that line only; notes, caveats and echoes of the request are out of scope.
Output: 5:55:19
